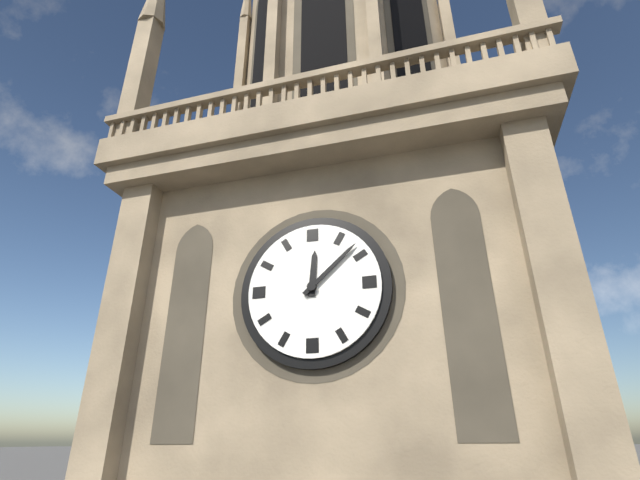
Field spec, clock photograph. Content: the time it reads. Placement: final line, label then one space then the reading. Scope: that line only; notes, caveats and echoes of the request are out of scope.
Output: 12:08
